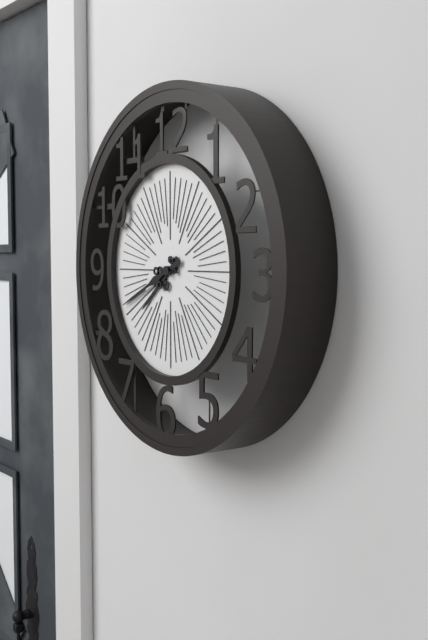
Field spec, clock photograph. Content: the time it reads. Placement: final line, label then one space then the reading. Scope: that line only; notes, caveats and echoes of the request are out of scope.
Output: 7:41
